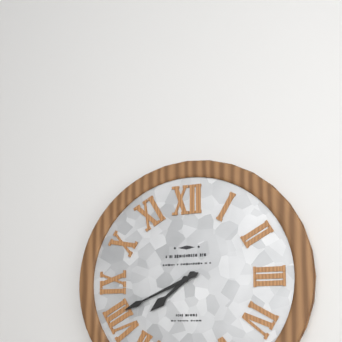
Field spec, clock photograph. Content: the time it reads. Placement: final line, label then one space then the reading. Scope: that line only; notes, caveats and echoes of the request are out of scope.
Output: 7:41
